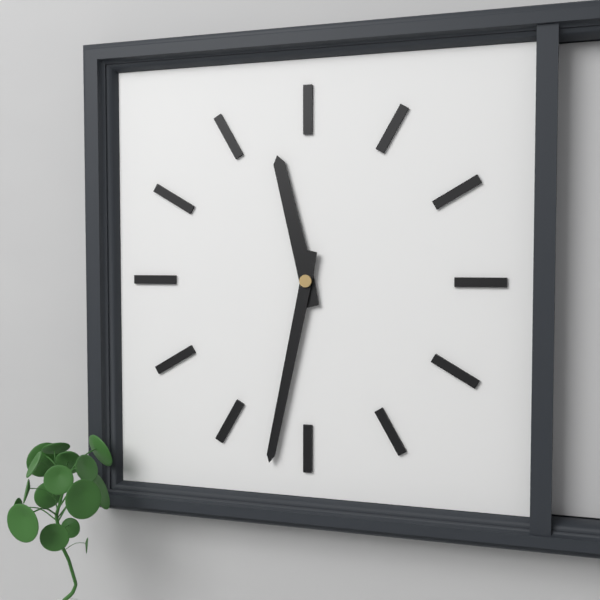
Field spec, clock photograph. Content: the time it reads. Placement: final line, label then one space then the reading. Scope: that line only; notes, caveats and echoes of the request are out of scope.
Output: 11:32
